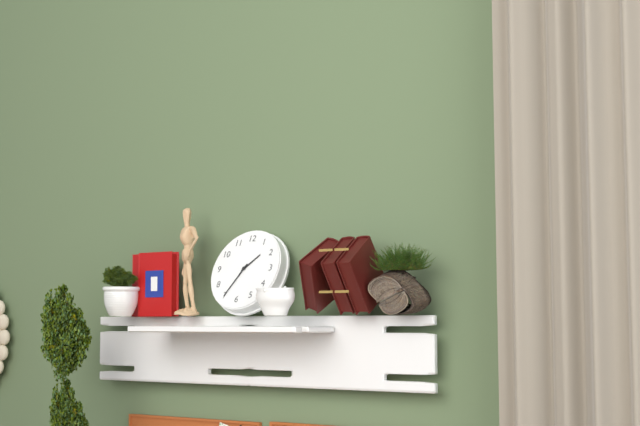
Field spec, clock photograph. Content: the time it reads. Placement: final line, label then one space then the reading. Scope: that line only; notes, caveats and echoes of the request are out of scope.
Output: 1:35
